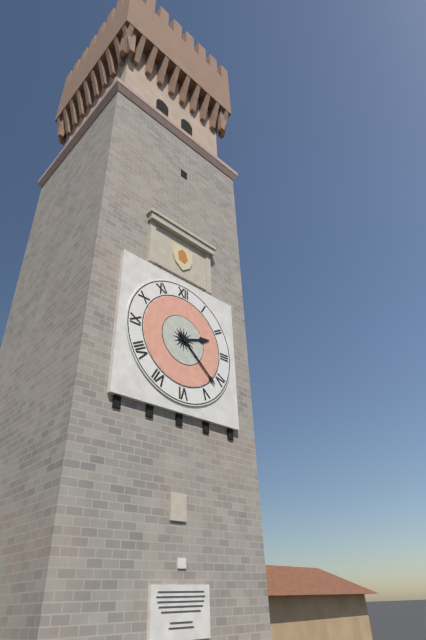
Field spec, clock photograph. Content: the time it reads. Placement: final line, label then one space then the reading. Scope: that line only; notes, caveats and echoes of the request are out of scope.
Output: 2:22
